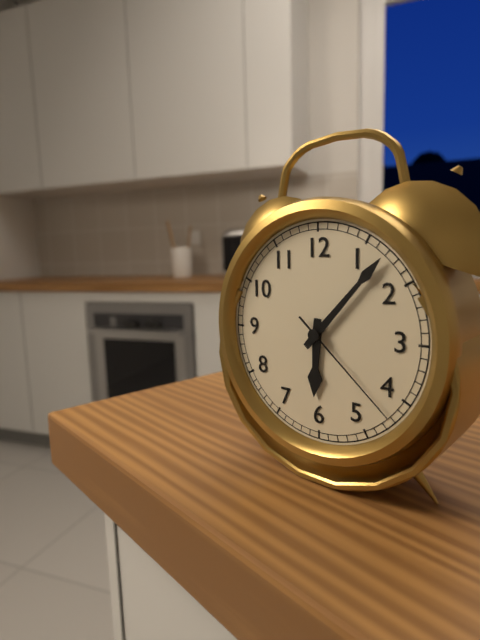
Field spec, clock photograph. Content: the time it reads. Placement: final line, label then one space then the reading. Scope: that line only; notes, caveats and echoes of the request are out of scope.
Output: 6:07:22
